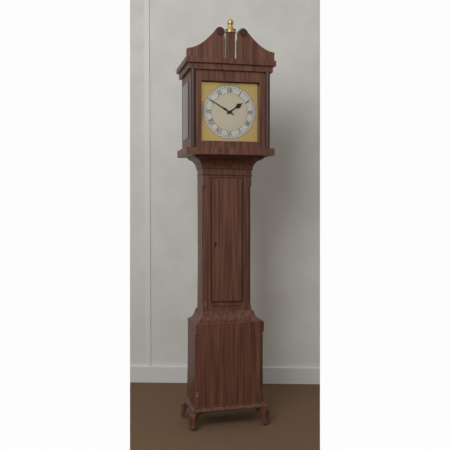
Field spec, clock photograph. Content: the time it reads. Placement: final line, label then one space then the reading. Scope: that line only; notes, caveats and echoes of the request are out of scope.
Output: 1:50
